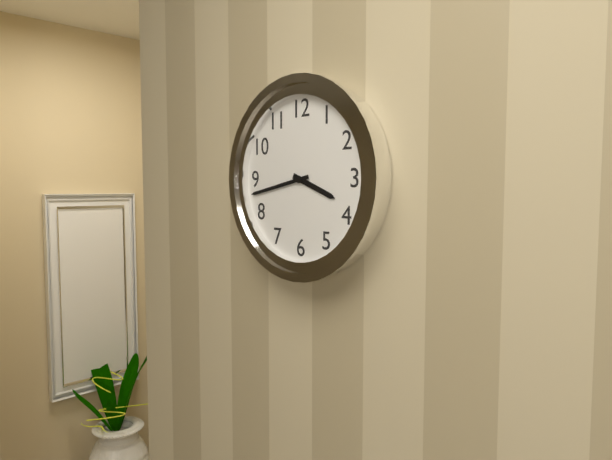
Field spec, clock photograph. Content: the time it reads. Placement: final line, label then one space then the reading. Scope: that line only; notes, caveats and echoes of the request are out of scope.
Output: 3:43
